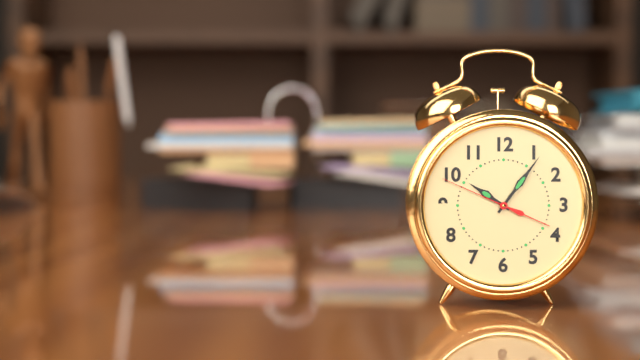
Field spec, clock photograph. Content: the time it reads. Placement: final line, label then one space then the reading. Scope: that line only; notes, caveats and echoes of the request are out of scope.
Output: 10:06:49
